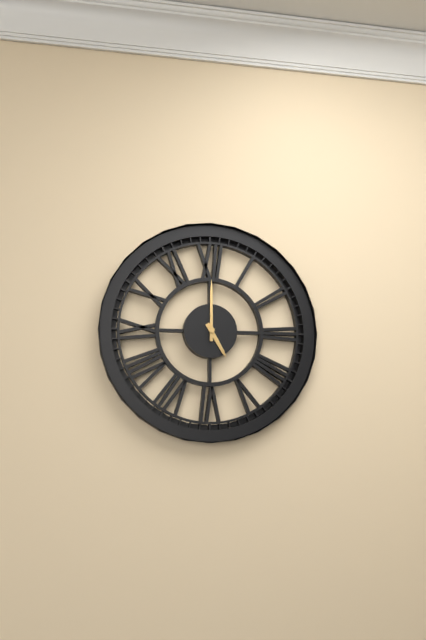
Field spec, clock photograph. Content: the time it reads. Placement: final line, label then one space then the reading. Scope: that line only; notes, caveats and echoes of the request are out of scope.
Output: 5:00
